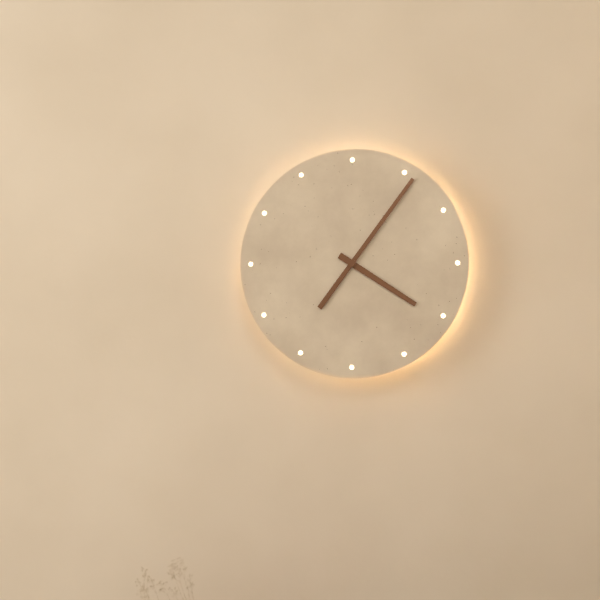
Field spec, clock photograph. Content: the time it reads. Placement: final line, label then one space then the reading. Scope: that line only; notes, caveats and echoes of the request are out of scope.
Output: 4:06
